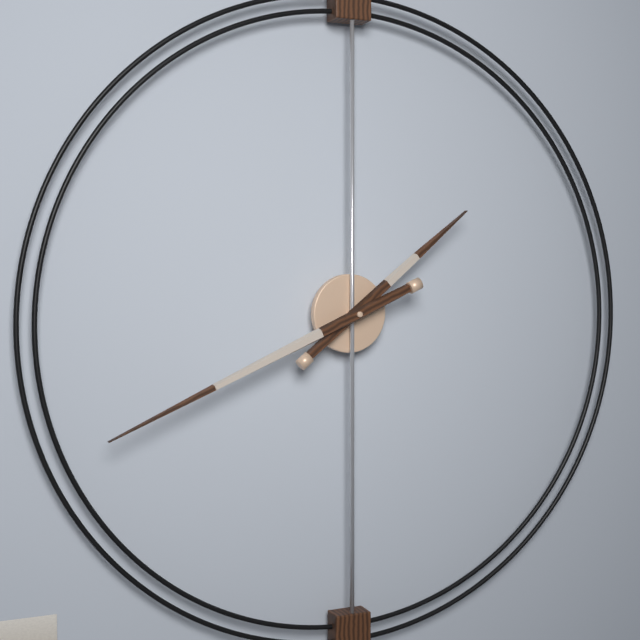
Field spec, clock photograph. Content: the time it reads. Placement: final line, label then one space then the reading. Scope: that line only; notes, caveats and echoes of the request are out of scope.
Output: 1:41
